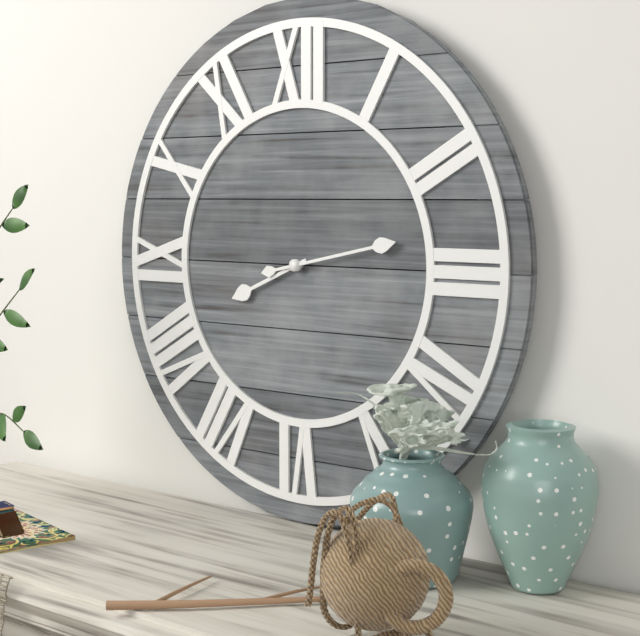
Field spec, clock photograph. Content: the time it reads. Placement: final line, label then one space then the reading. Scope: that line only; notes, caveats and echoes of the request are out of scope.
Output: 8:13
